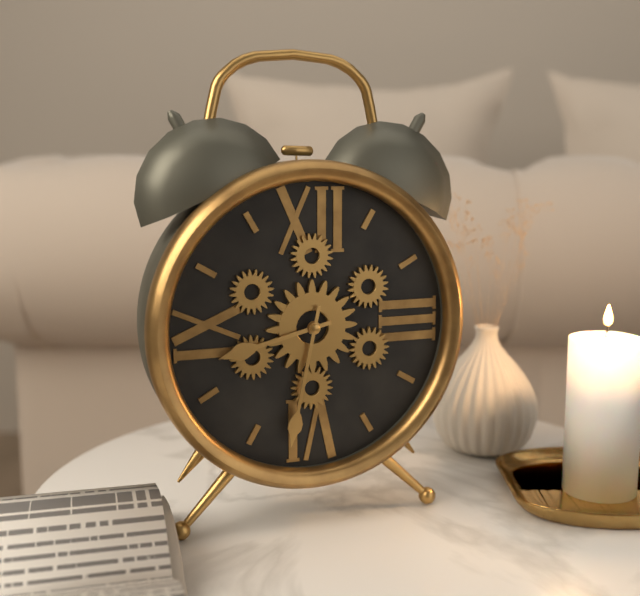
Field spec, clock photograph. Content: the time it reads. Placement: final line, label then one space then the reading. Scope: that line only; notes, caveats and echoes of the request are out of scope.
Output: 8:32
